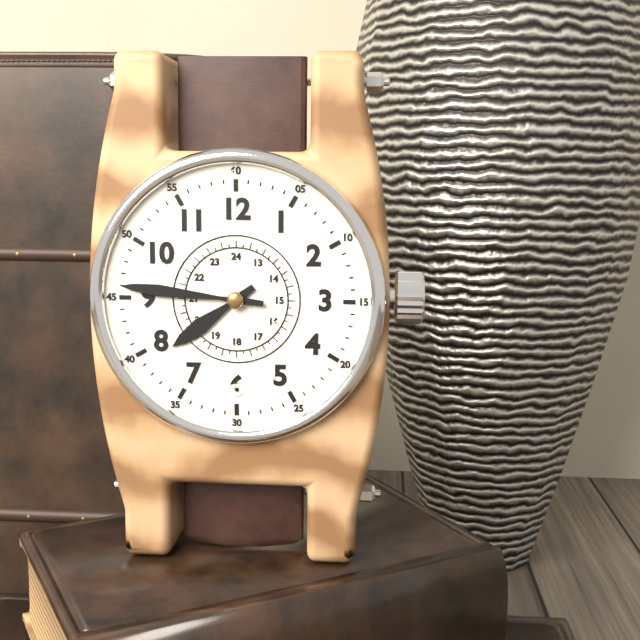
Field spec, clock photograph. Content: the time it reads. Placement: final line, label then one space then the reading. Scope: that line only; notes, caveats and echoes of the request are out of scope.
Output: 7:46
